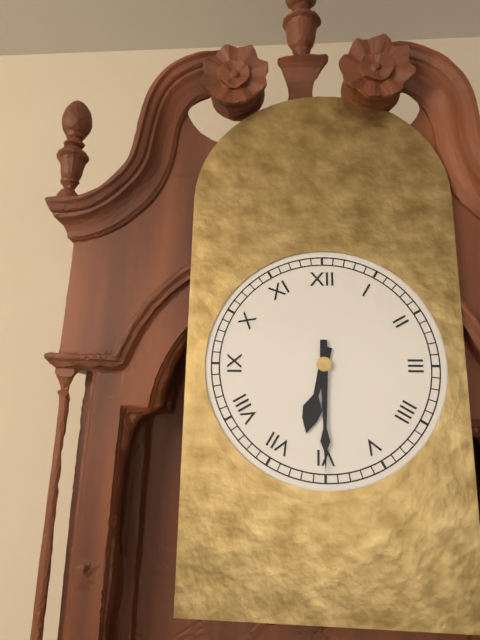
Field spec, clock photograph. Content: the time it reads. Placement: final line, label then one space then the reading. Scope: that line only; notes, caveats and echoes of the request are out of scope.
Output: 6:30
